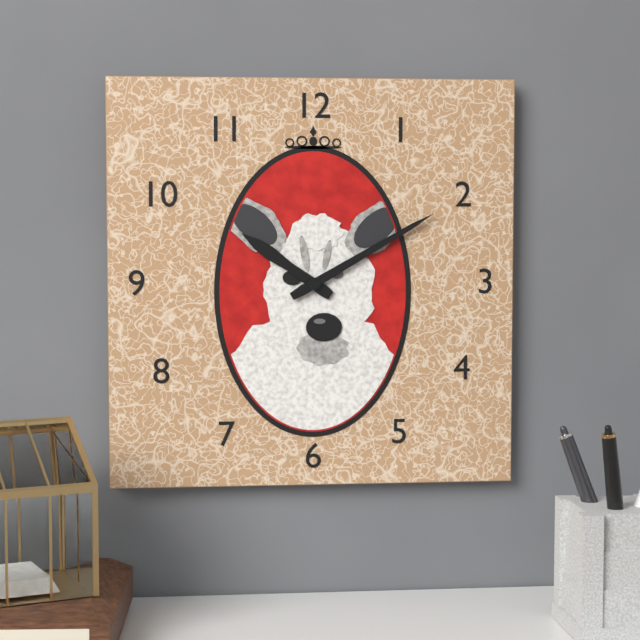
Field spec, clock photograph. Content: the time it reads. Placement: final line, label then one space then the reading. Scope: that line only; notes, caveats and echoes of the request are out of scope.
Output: 10:10
